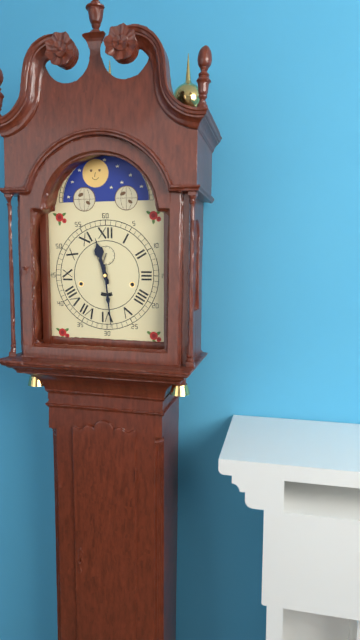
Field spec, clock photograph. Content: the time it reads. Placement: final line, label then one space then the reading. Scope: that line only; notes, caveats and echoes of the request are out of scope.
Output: 11:29
